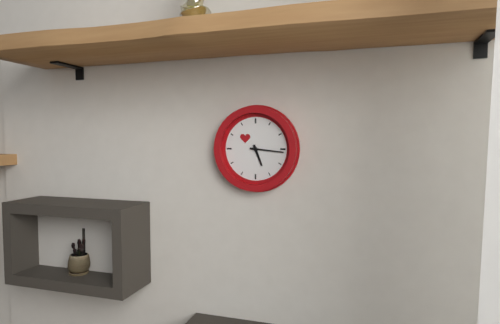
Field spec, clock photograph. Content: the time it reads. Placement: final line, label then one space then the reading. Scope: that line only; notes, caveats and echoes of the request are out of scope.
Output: 5:16
